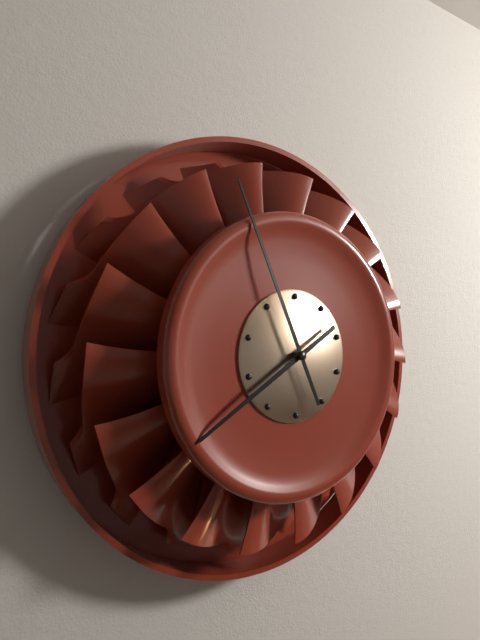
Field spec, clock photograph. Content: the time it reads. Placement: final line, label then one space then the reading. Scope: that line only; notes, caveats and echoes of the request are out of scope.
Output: 7:56
